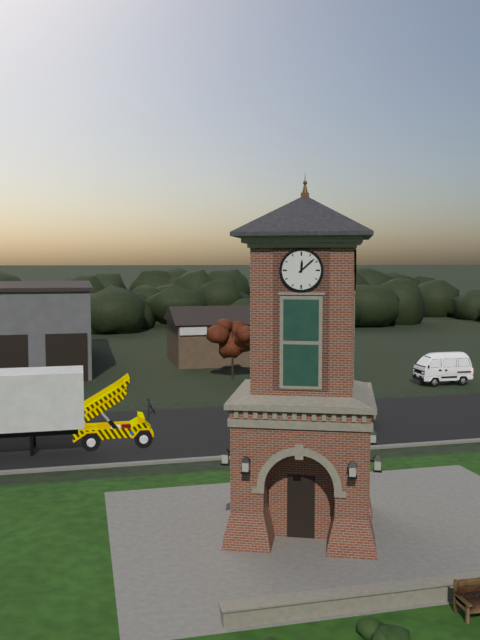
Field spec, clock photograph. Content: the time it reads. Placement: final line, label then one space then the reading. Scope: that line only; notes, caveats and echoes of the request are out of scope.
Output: 12:08
